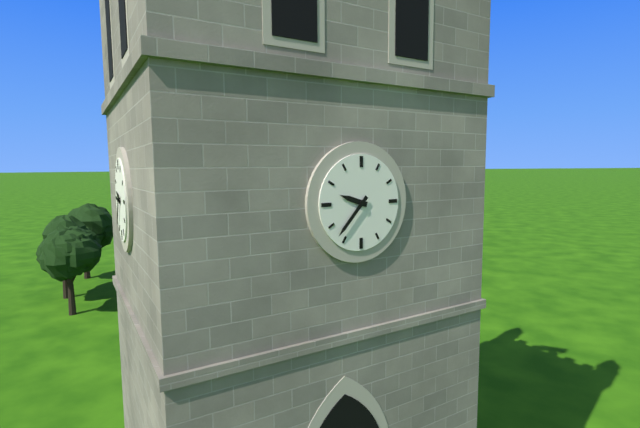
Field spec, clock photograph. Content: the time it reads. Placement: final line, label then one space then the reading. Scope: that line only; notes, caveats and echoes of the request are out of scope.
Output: 9:37
